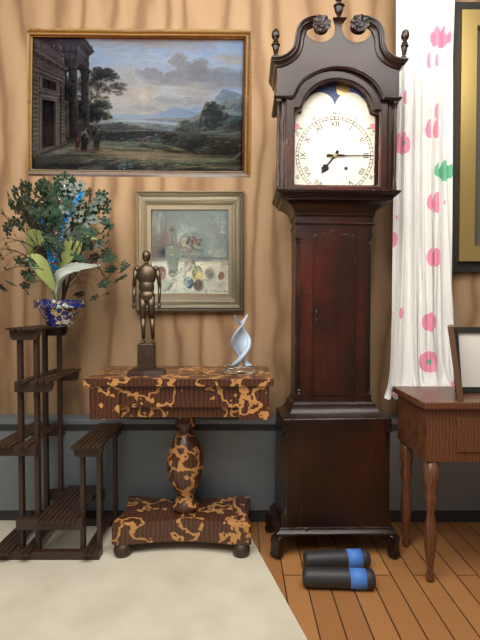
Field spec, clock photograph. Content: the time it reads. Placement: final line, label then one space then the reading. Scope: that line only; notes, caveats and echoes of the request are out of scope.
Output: 7:15
